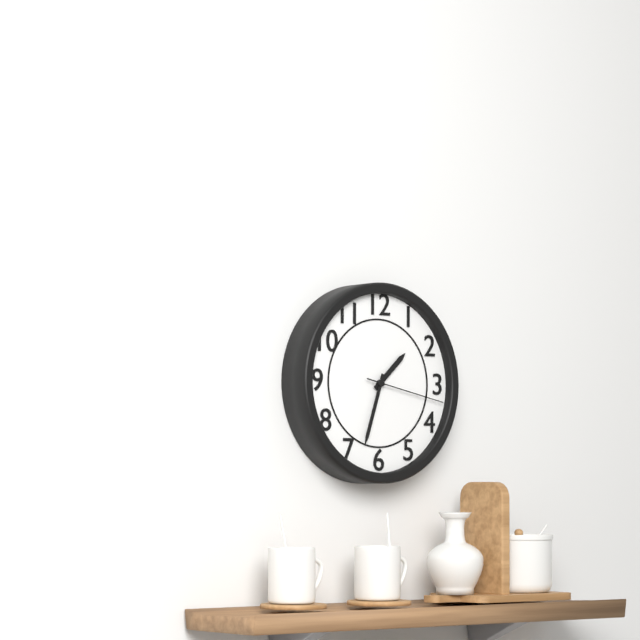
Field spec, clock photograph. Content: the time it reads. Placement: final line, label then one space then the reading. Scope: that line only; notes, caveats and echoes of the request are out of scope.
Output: 1:33:17
